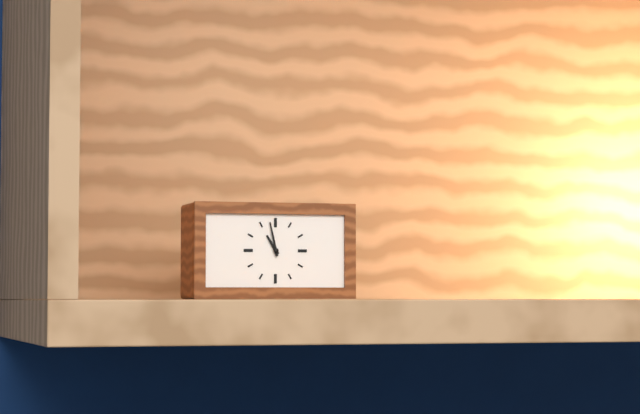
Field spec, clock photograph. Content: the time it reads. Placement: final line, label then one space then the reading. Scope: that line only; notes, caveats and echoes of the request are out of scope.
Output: 10:58
